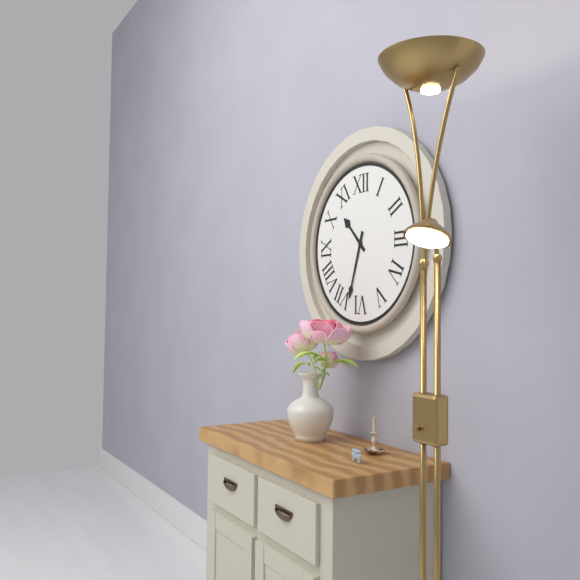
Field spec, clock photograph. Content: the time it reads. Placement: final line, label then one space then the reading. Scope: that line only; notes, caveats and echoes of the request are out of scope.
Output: 10:33
